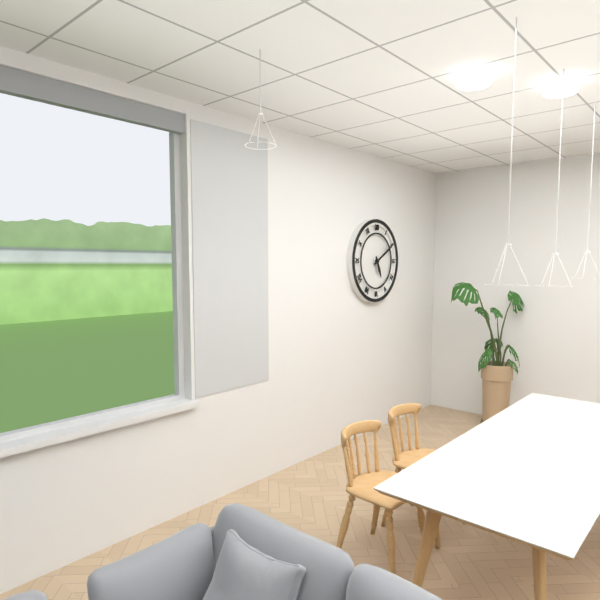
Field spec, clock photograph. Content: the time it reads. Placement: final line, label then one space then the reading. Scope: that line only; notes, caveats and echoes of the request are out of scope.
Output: 5:10
